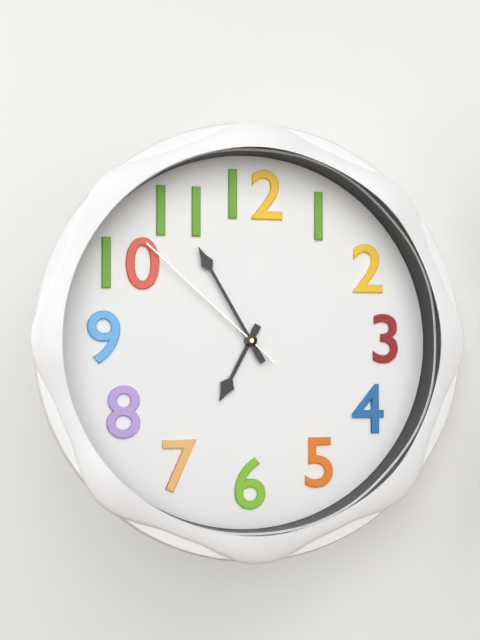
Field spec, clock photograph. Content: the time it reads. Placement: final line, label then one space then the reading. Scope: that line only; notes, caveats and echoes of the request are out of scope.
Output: 6:55:52
